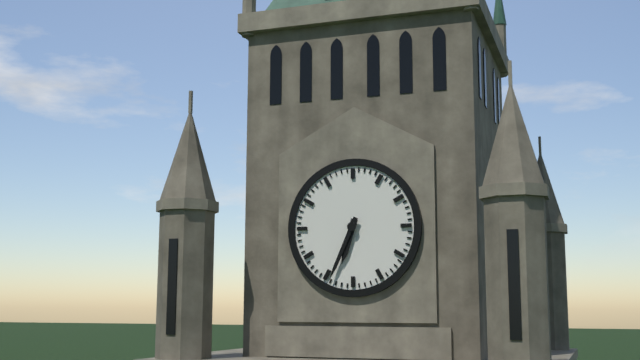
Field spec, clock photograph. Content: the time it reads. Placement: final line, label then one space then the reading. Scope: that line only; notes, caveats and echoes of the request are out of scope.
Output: 6:34
